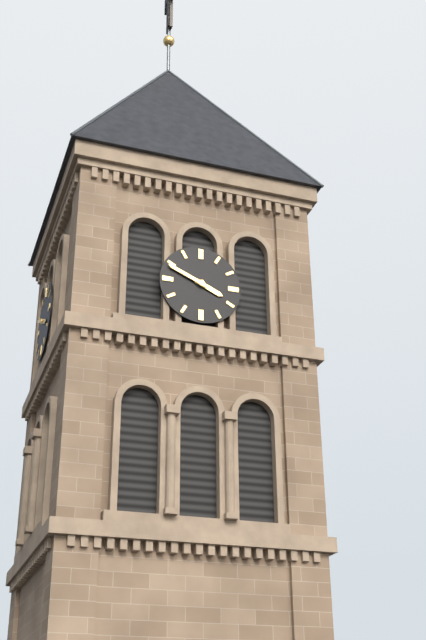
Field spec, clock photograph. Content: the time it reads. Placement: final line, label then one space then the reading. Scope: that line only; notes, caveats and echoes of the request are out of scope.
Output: 3:49
